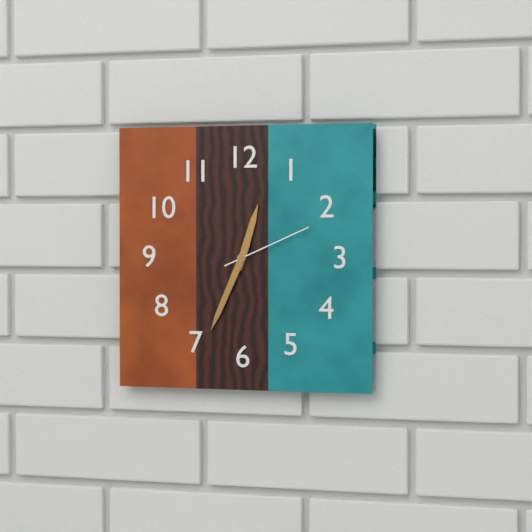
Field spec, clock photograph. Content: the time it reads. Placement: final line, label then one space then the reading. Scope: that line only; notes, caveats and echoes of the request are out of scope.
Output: 12:34:11
